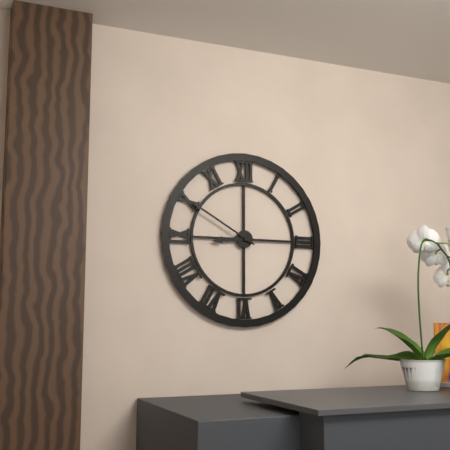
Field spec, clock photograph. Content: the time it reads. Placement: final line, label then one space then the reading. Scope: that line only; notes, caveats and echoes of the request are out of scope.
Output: 8:50
